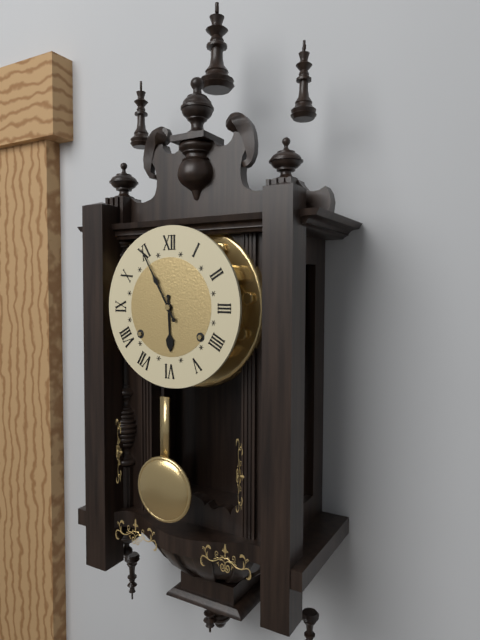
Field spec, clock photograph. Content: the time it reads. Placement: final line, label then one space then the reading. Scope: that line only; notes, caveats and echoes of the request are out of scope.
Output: 5:55
